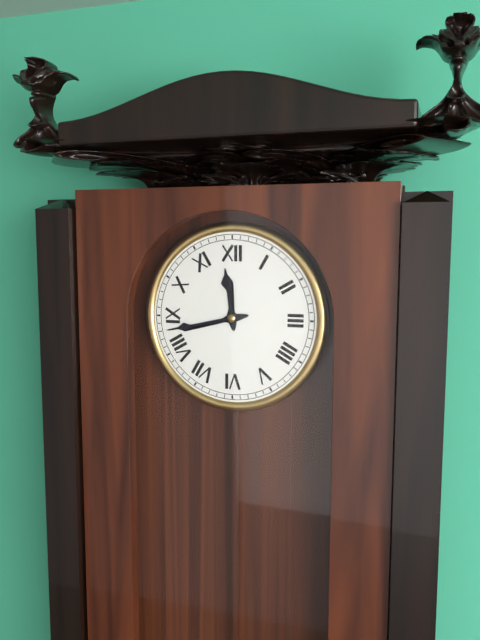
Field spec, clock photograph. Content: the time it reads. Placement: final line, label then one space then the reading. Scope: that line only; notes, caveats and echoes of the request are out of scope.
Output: 11:43
